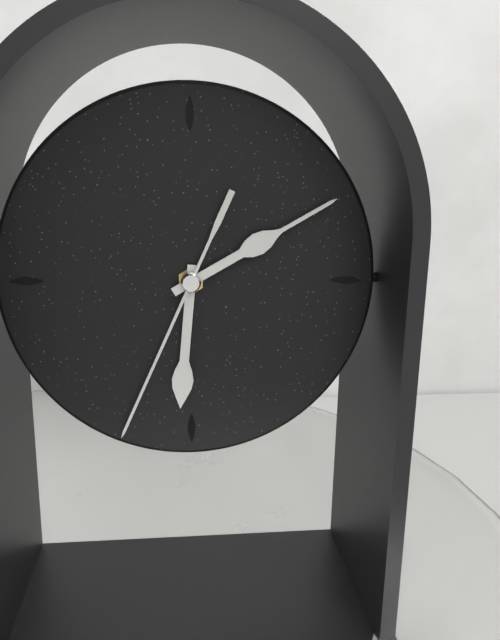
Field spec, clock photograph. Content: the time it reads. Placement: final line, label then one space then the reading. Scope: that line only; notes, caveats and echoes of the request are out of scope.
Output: 6:10:34
